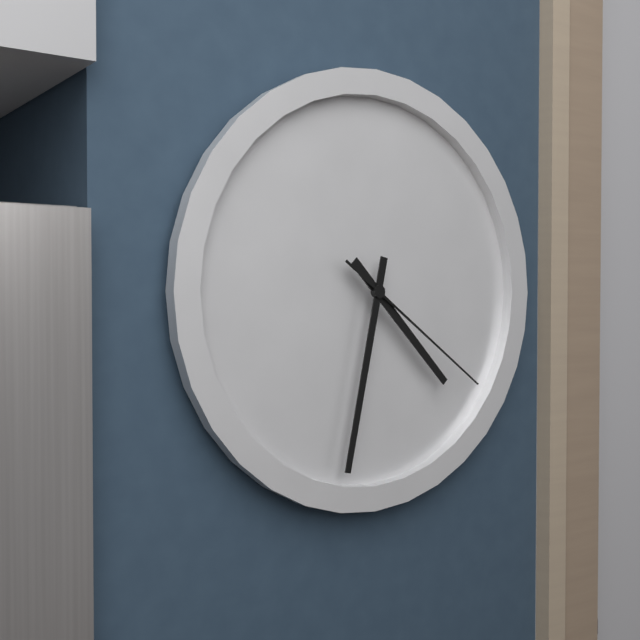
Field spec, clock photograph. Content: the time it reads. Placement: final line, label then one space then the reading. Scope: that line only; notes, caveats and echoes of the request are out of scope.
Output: 4:32:21
